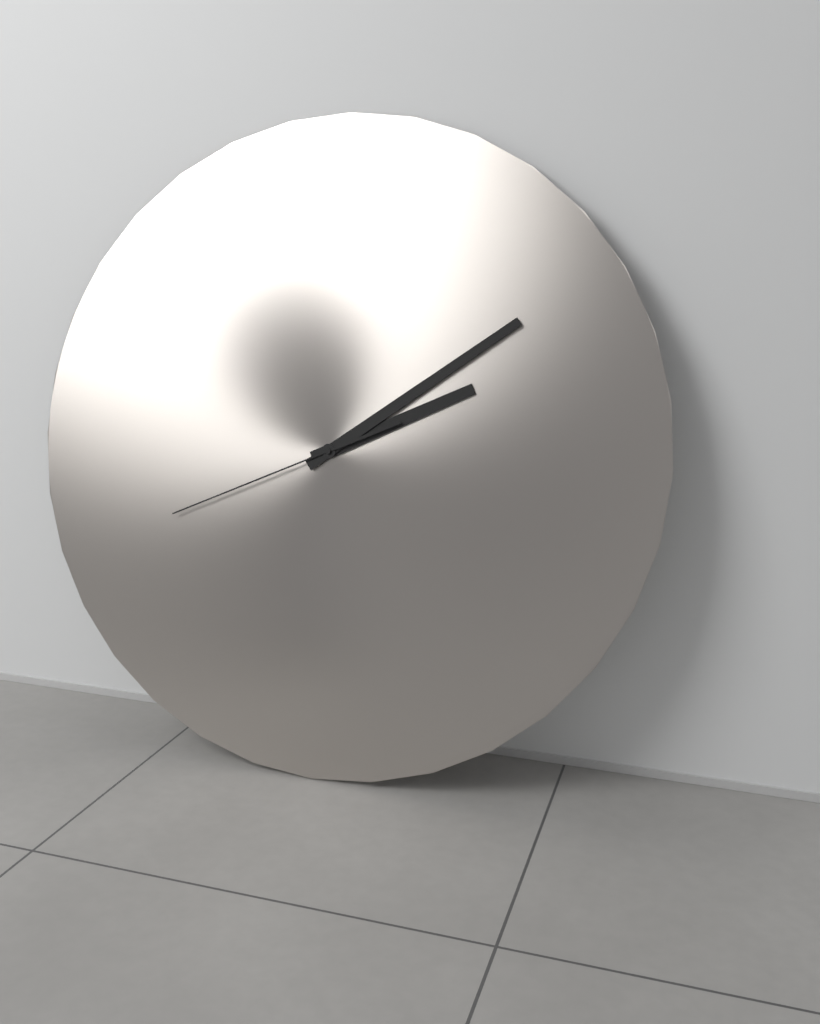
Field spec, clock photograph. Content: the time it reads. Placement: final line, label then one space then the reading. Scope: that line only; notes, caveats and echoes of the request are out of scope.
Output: 2:09:41
